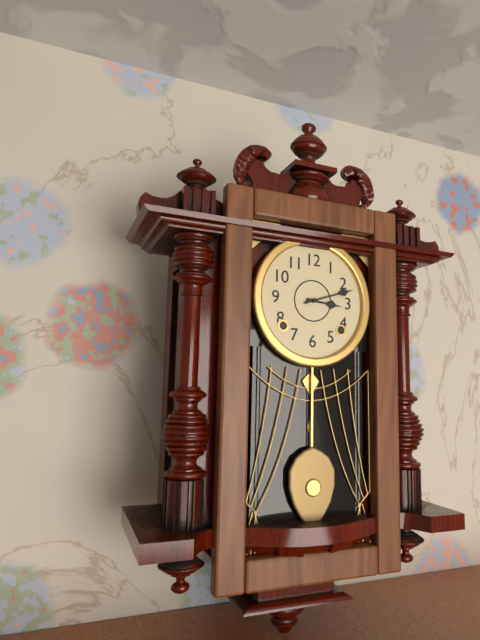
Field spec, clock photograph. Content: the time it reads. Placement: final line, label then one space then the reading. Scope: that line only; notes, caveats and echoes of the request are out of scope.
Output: 3:12
